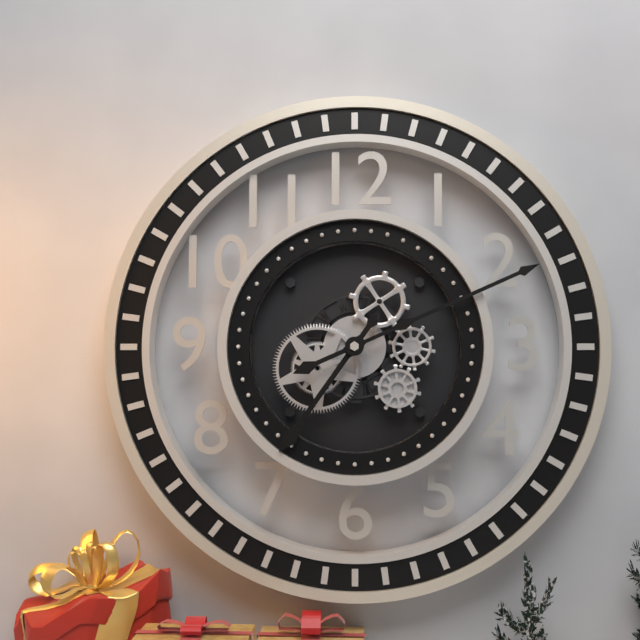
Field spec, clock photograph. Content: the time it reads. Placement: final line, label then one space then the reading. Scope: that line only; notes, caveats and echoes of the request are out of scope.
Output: 7:11
